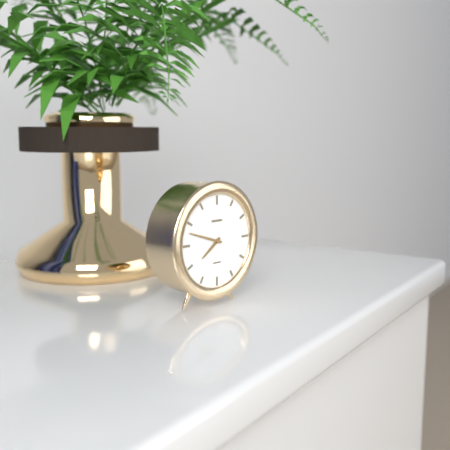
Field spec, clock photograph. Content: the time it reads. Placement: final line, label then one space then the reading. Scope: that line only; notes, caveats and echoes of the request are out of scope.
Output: 7:48
